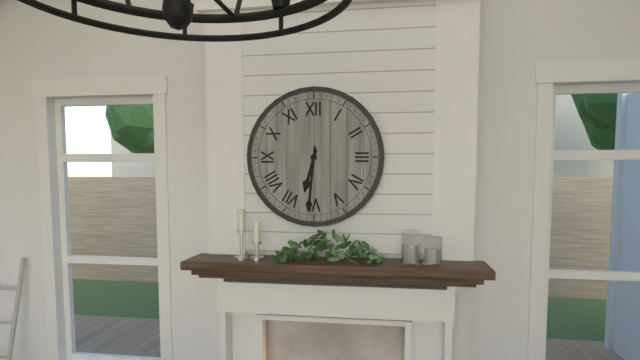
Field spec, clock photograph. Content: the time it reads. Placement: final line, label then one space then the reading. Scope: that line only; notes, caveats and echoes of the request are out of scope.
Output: 6:31
